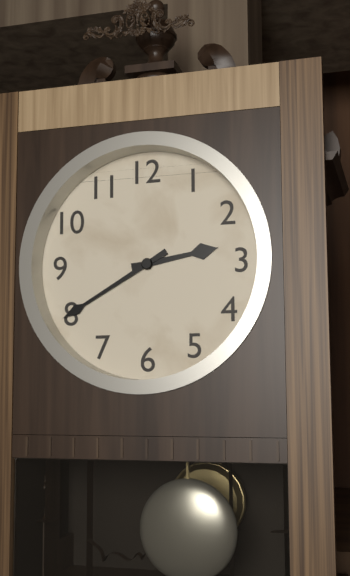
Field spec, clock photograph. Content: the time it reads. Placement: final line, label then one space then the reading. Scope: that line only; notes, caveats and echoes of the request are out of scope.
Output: 2:40
